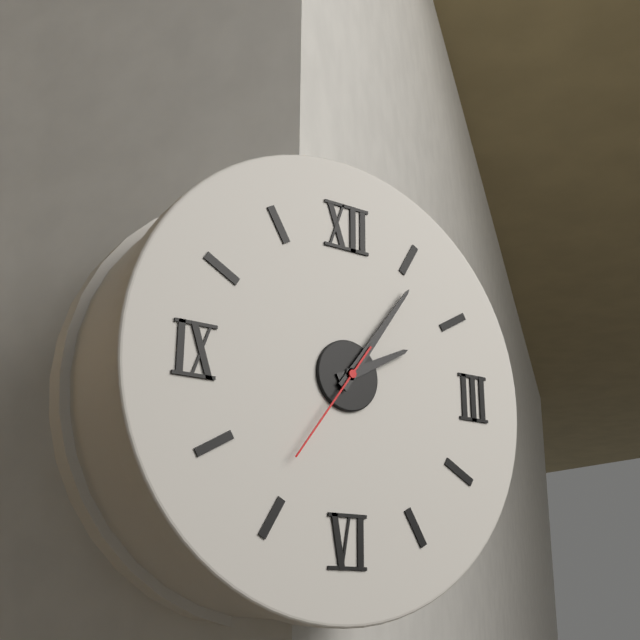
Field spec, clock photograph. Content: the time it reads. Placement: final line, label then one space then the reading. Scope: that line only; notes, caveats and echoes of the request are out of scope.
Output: 2:06:36
